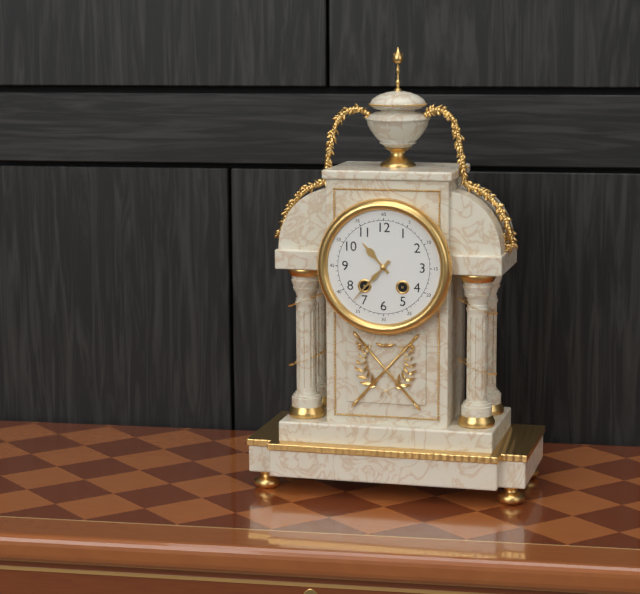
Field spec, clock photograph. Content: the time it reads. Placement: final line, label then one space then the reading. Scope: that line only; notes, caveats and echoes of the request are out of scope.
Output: 10:37
